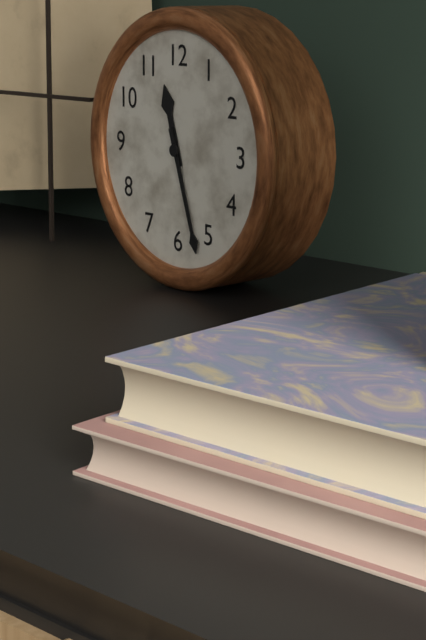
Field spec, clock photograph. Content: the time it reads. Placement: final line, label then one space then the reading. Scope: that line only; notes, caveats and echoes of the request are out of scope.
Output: 11:27
